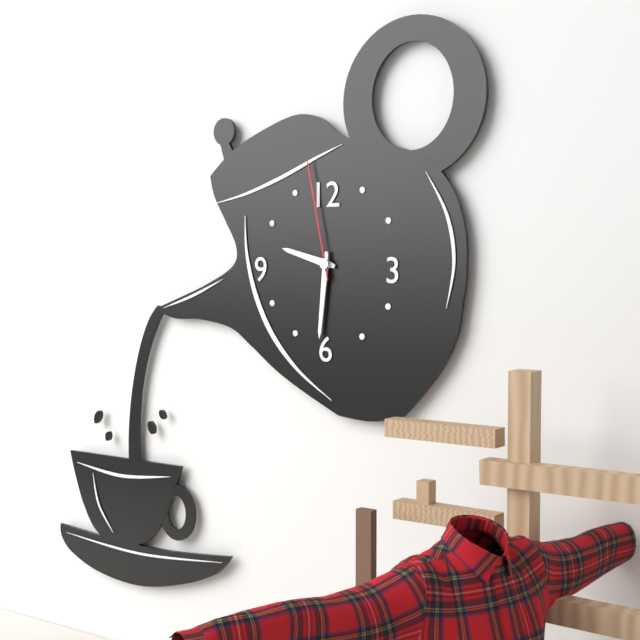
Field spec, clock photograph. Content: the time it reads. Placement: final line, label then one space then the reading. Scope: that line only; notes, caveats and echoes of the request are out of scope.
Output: 9:31:58
